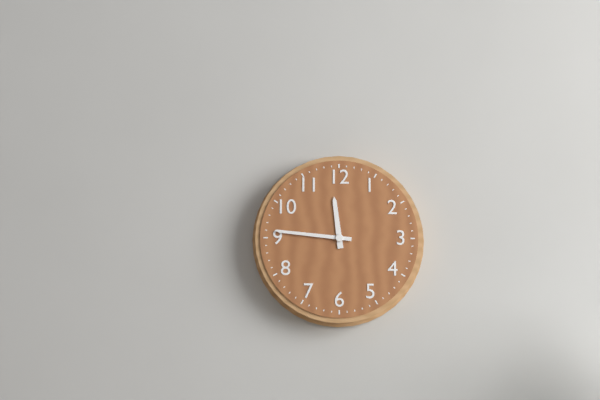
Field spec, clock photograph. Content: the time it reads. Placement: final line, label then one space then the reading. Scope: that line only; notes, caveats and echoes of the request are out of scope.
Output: 11:46
